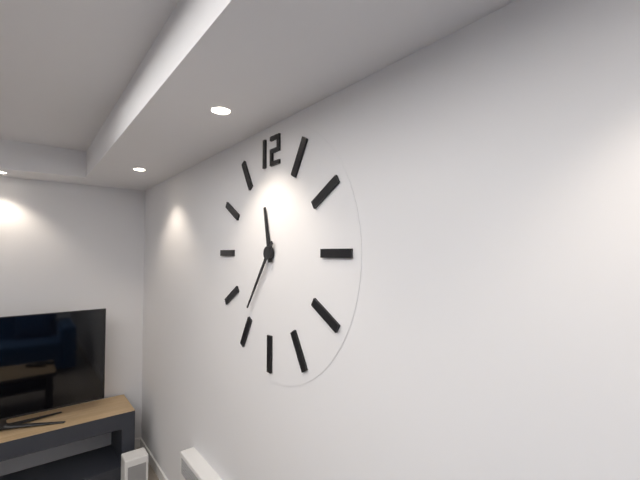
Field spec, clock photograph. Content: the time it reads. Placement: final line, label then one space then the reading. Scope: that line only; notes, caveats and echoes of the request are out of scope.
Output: 11:36
